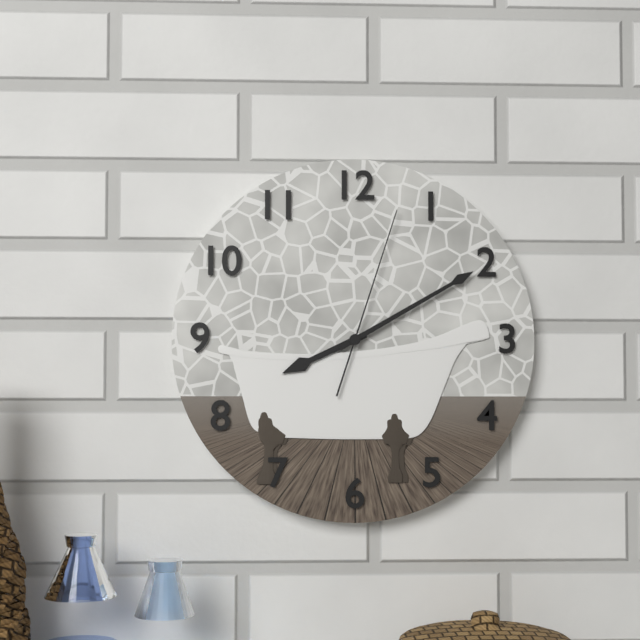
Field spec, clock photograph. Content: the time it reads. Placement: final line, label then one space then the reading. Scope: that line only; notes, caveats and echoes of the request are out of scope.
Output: 8:10:03
